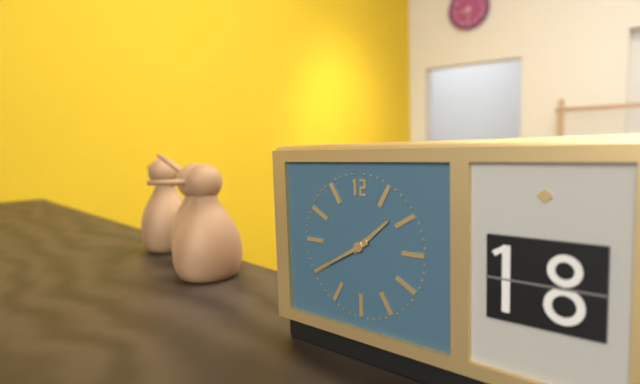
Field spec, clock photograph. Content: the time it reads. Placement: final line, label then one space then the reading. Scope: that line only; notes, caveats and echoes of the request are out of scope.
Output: 1:40
